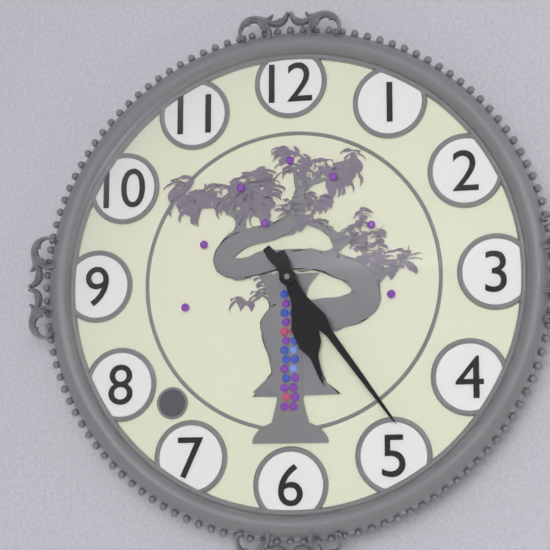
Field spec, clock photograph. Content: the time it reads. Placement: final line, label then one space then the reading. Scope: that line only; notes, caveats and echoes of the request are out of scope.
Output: 5:24
